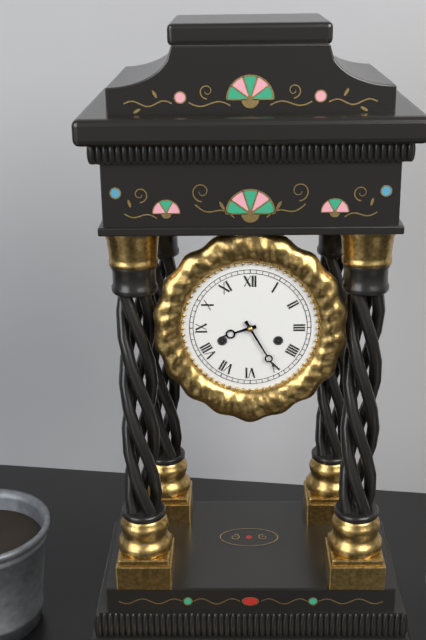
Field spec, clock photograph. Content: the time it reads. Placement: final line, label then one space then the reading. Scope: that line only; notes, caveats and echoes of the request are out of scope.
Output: 8:25
